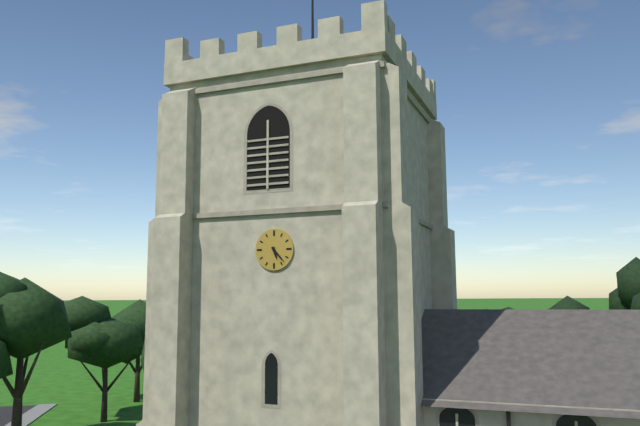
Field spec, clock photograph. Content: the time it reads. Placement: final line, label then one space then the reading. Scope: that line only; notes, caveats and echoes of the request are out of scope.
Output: 5:23
